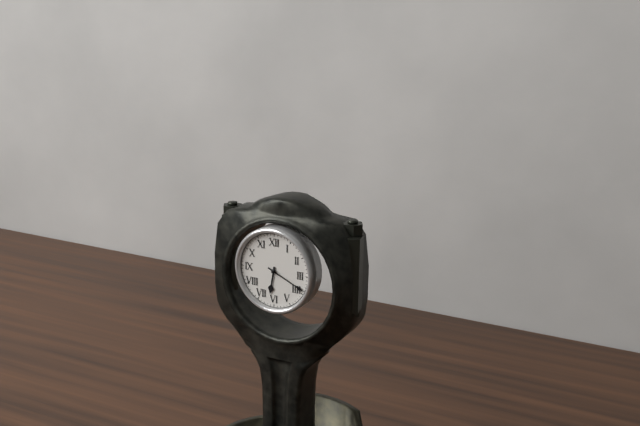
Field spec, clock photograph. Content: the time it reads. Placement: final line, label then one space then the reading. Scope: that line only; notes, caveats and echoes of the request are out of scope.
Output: 6:19
